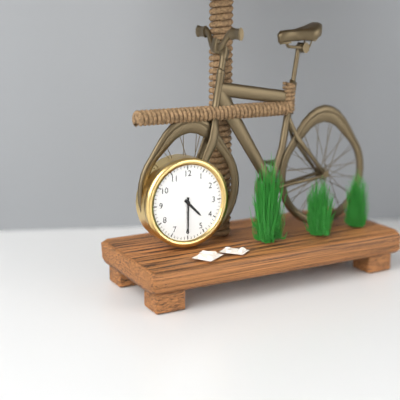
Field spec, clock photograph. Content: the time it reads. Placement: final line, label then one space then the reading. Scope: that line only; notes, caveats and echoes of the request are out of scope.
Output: 4:30
